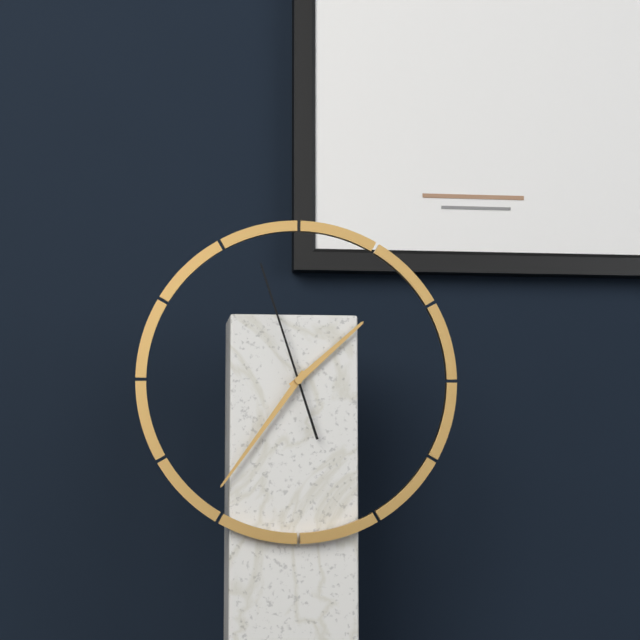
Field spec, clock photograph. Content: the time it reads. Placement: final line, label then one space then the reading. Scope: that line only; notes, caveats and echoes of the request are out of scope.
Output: 1:36:57
